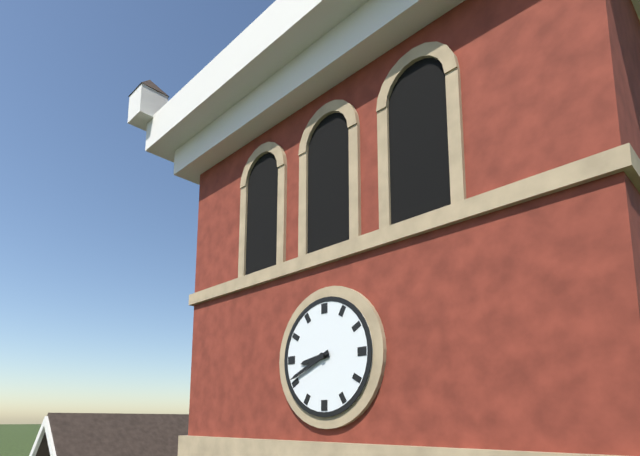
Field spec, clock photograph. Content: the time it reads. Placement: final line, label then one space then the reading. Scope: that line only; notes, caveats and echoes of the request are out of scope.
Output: 8:41
